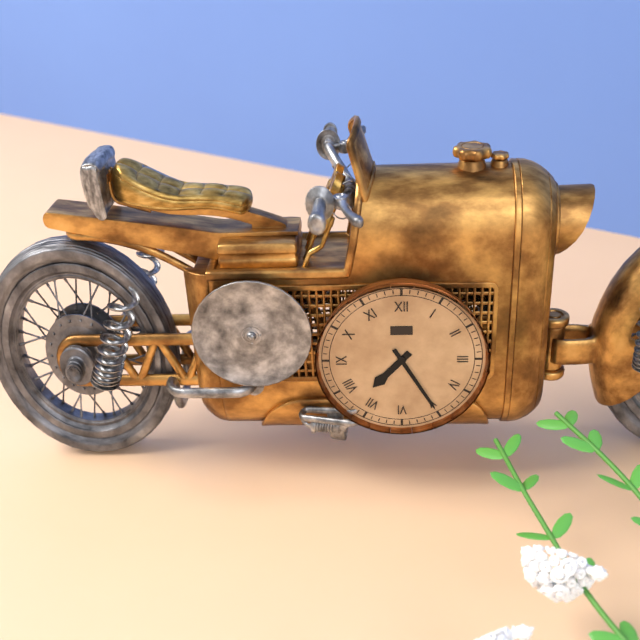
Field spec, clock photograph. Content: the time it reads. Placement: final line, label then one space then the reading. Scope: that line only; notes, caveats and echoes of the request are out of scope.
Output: 7:25
